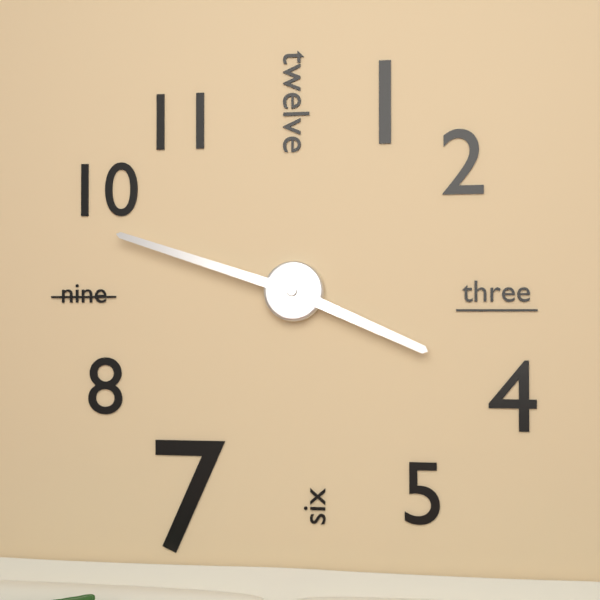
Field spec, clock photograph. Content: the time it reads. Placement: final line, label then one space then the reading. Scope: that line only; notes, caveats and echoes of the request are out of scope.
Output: 3:48
